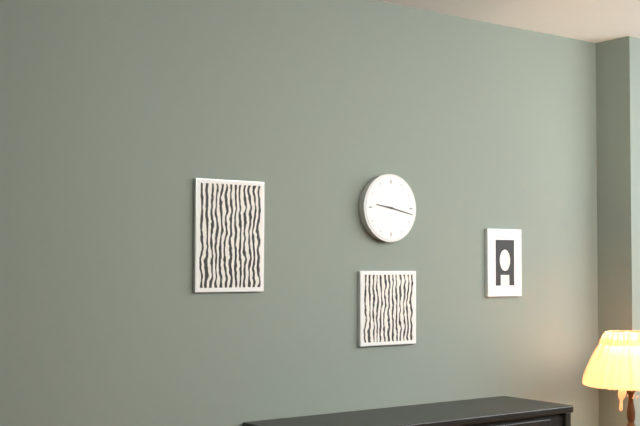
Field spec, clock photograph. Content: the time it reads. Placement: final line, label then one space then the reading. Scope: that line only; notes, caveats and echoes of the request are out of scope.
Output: 9:17
